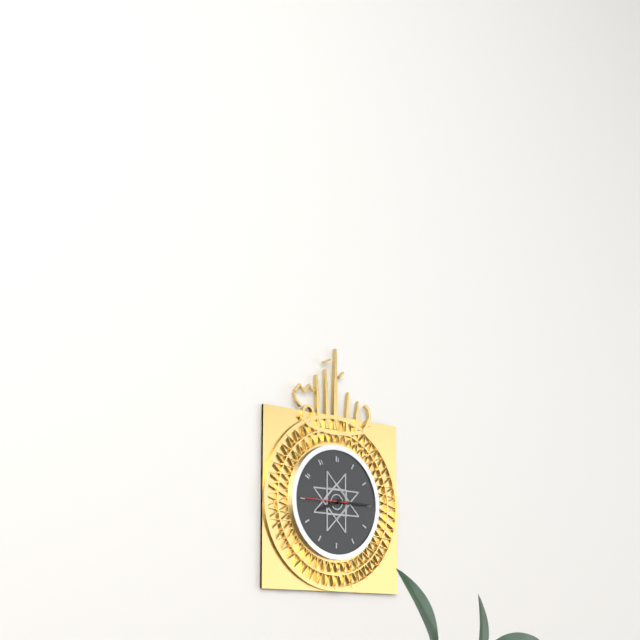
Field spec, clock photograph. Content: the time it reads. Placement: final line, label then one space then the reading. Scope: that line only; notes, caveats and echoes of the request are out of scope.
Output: 8:15
